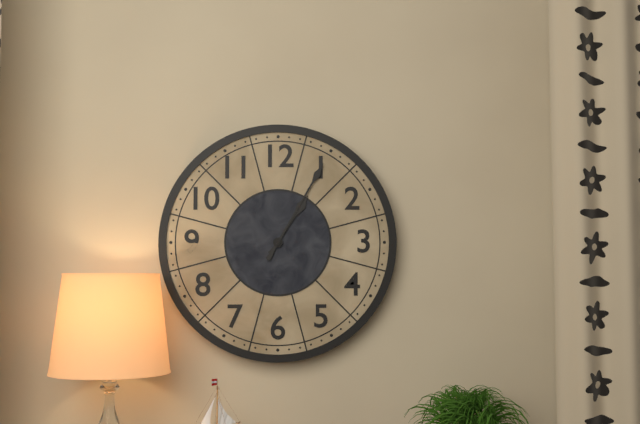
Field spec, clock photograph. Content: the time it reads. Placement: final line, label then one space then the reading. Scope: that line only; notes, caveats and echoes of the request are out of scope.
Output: 1:05
